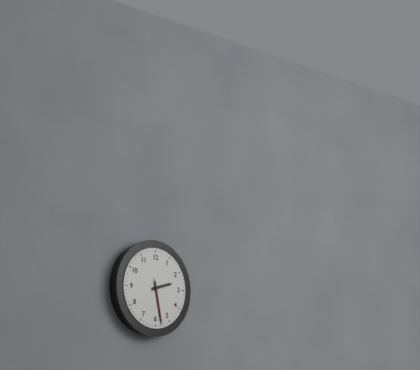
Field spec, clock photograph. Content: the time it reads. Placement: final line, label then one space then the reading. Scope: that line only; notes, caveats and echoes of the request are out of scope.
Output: 2:28
